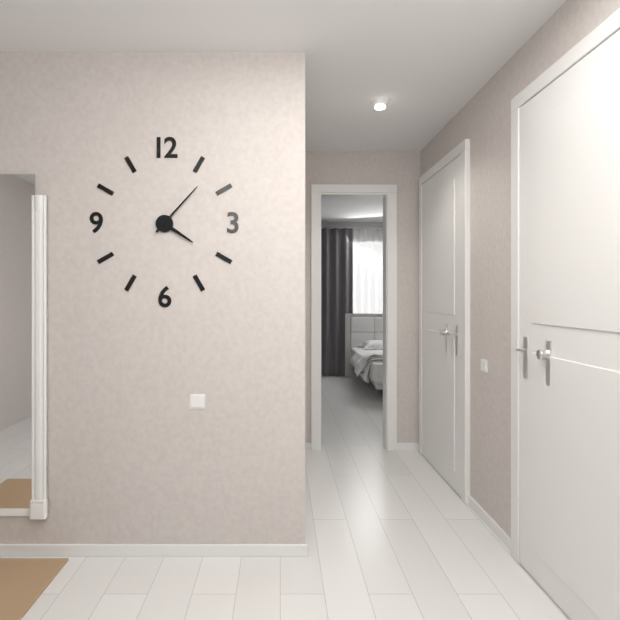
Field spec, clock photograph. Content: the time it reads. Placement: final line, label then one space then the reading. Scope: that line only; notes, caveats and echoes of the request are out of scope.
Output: 4:07
